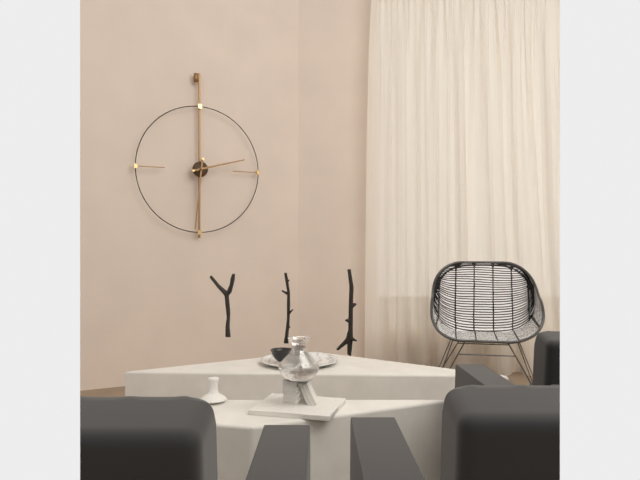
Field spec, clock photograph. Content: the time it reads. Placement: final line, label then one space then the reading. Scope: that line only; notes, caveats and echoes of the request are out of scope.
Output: 2:31
